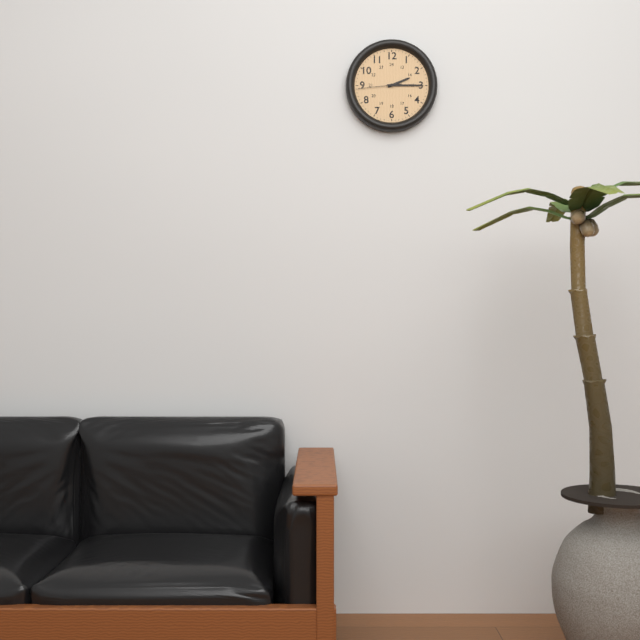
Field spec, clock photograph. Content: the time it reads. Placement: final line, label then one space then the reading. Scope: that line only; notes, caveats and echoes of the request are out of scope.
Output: 2:15
